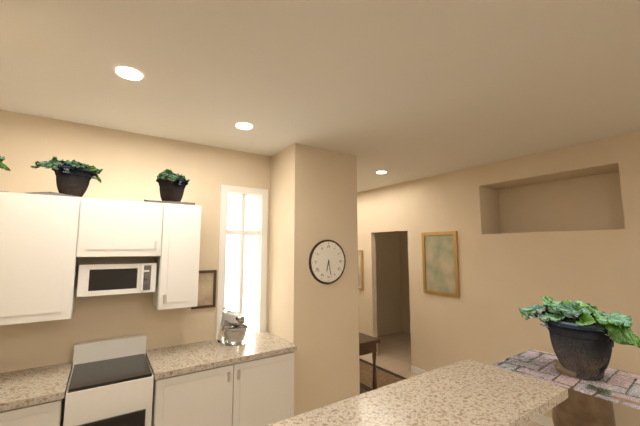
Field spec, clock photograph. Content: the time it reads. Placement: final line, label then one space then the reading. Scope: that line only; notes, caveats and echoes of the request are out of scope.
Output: 6:28
